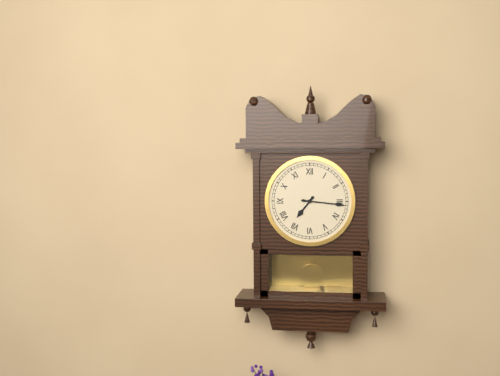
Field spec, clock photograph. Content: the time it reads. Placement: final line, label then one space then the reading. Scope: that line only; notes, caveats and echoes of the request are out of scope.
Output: 7:16
